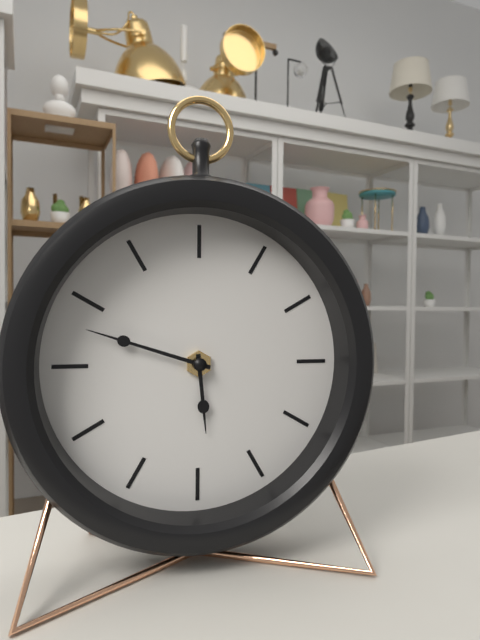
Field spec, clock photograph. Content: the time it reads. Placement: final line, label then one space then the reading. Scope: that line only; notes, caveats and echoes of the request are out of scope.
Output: 5:48
